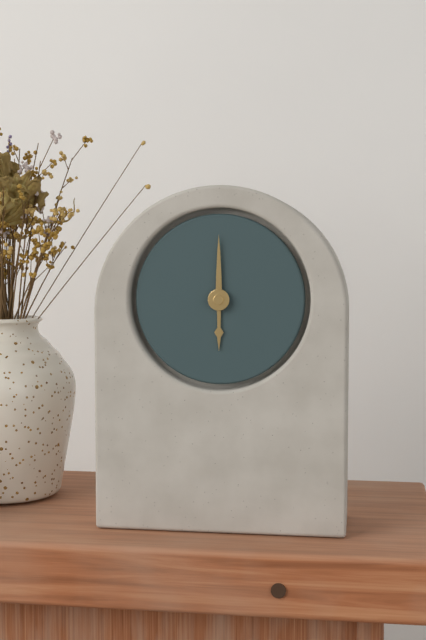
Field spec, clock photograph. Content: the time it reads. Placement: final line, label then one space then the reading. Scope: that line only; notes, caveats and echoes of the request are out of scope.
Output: 6:00
